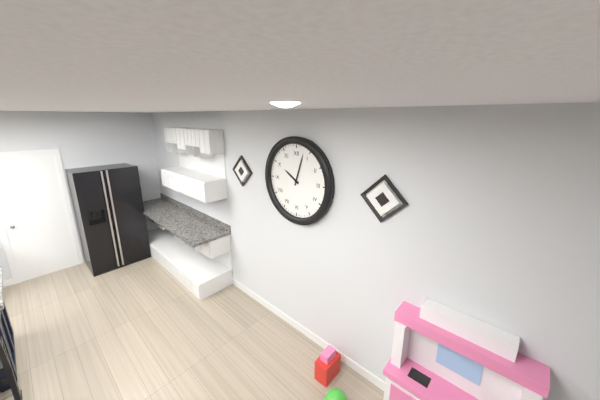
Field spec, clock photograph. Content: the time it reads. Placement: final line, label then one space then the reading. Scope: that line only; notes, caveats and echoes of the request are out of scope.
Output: 10:03
